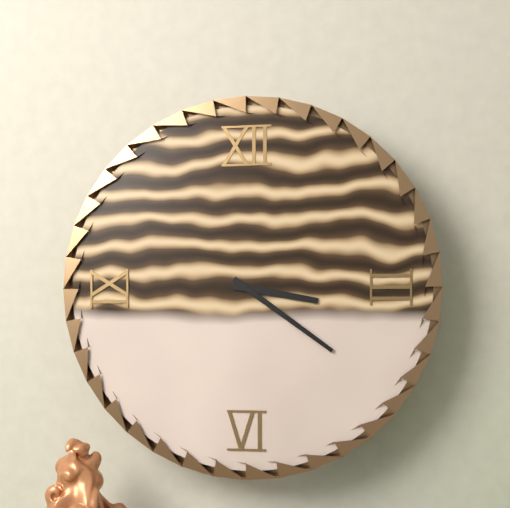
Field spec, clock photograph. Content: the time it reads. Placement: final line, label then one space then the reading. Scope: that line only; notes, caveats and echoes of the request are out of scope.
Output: 3:21
